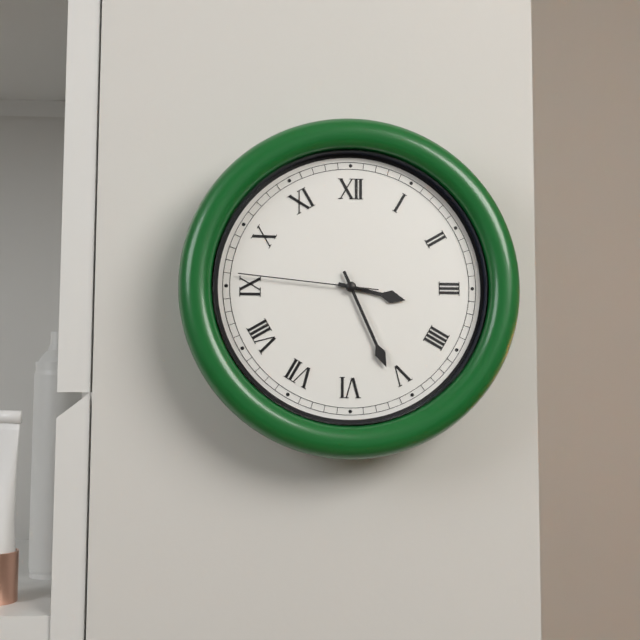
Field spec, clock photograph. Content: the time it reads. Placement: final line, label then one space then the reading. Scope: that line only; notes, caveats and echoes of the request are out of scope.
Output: 3:26:46
